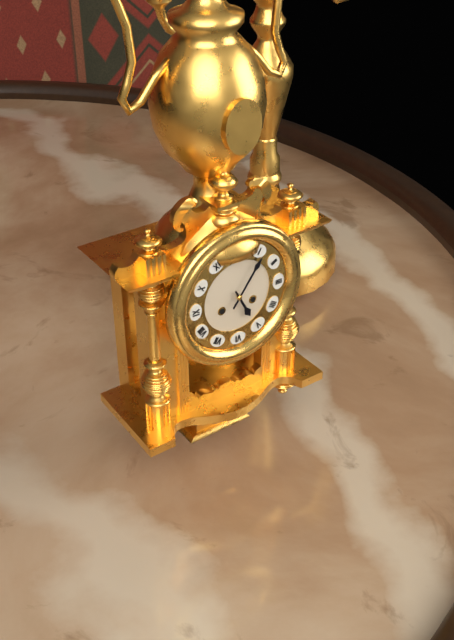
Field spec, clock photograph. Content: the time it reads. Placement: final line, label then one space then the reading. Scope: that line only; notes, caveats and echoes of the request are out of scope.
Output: 5:06
